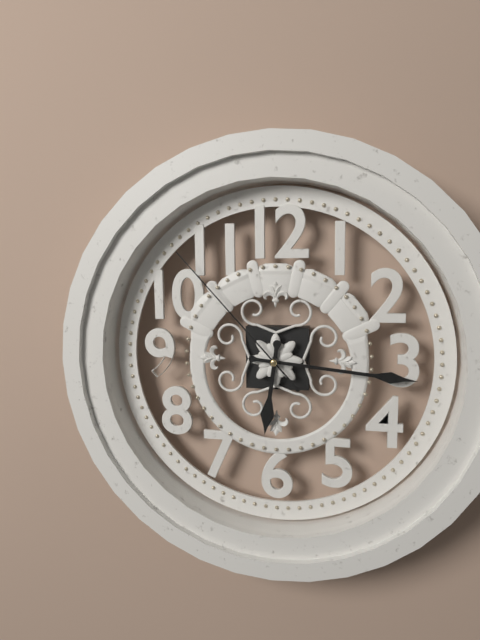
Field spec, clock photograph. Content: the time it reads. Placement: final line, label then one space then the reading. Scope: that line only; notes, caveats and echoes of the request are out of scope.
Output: 6:16:53
